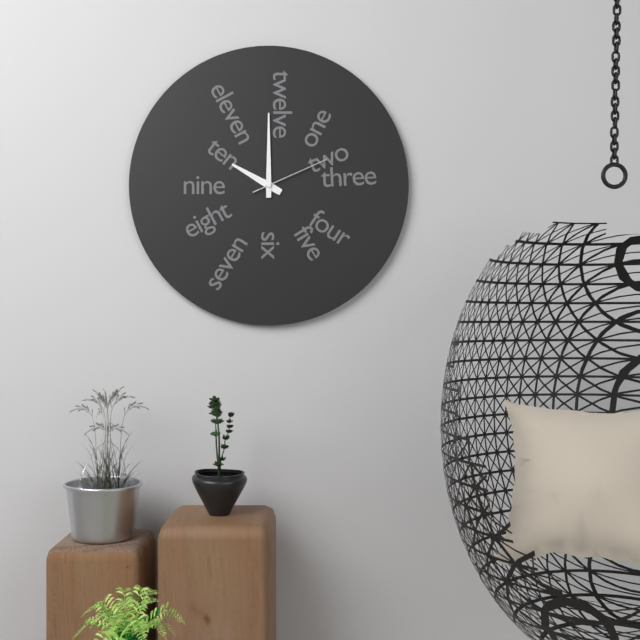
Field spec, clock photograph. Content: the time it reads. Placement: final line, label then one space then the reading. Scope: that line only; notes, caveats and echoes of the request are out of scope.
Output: 10:00:11
